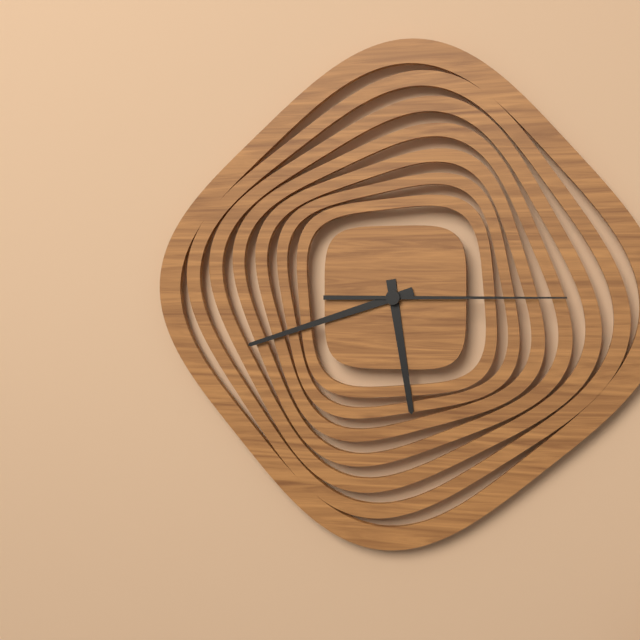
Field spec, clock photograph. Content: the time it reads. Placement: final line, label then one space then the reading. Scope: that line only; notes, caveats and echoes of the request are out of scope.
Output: 5:42:15
